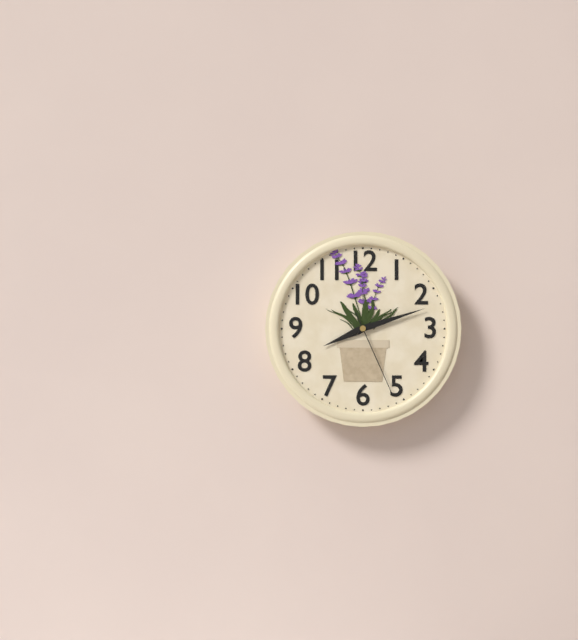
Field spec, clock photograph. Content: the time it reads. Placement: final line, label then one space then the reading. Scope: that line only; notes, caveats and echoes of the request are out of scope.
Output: 8:12:26
